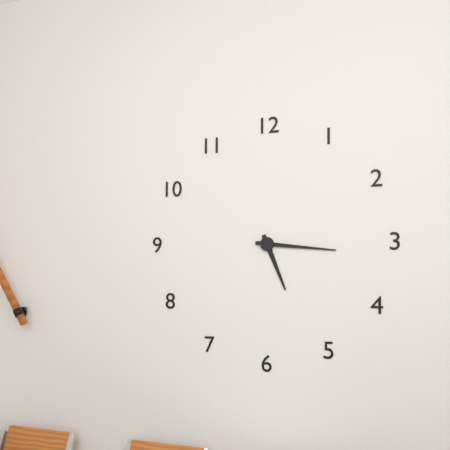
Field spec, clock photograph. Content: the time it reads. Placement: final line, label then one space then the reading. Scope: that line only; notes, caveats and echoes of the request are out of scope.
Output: 5:16
